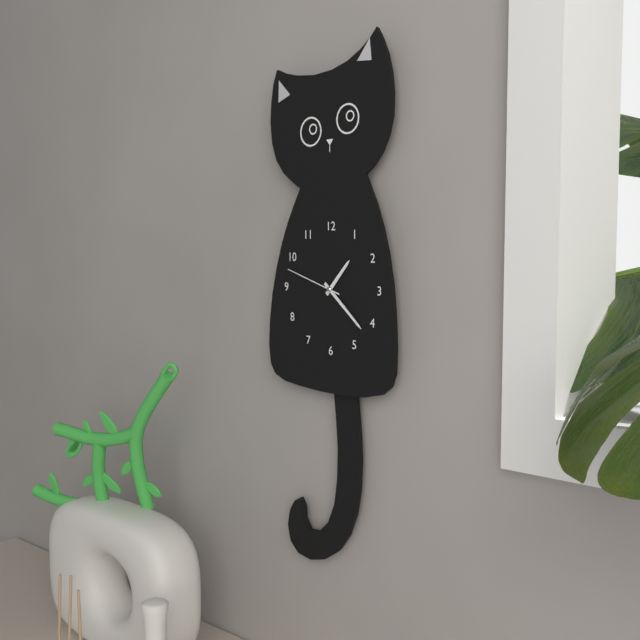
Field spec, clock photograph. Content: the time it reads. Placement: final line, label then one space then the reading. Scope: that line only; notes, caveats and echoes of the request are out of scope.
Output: 1:22:48
